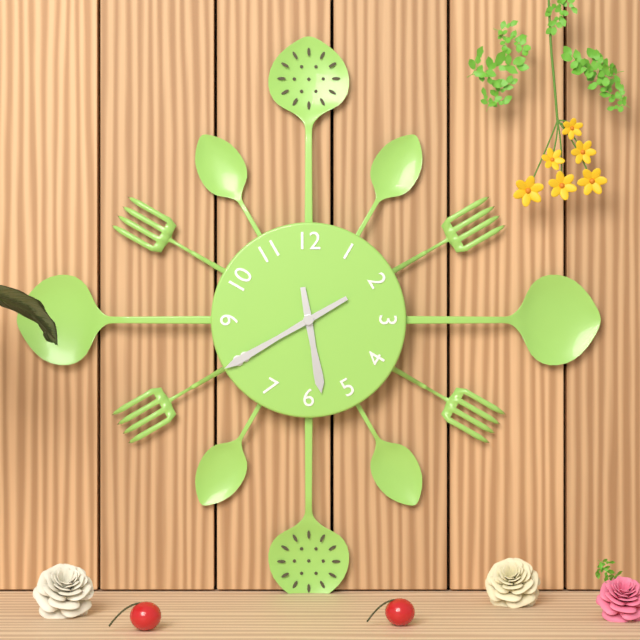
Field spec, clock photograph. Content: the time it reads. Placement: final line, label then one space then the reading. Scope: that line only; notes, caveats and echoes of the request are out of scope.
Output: 5:40
